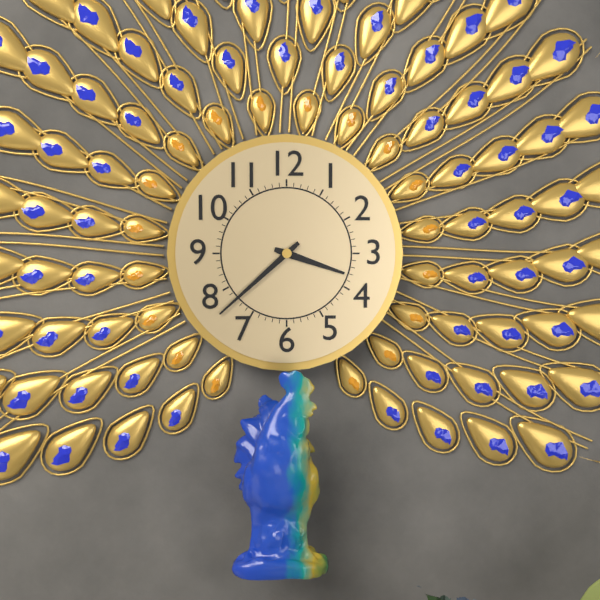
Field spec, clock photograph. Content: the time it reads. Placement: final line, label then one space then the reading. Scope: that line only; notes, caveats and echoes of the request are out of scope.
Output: 3:38
